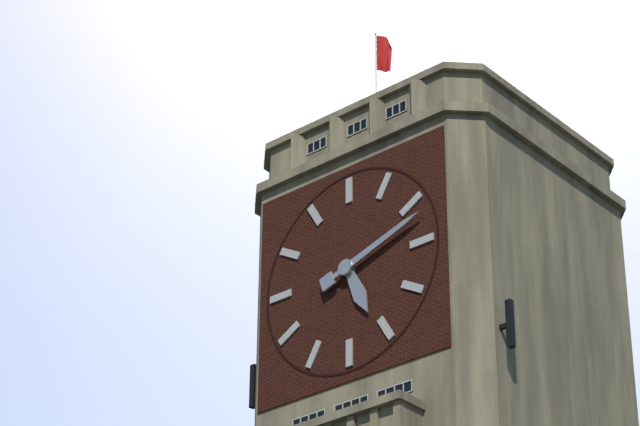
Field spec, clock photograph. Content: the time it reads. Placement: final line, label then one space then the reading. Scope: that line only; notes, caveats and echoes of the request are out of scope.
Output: 5:12
